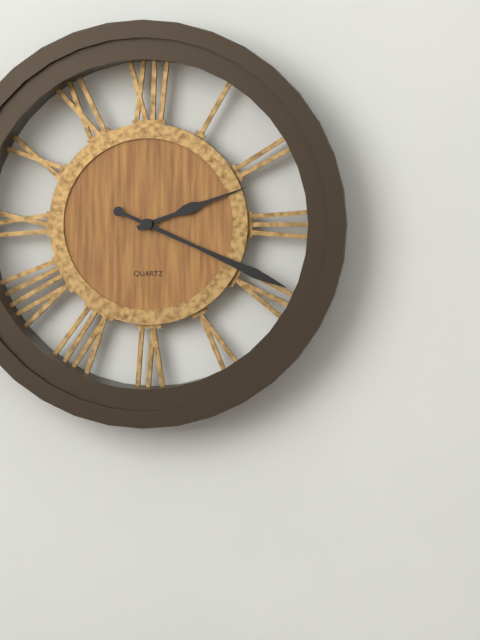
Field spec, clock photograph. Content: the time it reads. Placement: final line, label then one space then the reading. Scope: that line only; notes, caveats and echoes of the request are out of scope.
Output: 2:19
